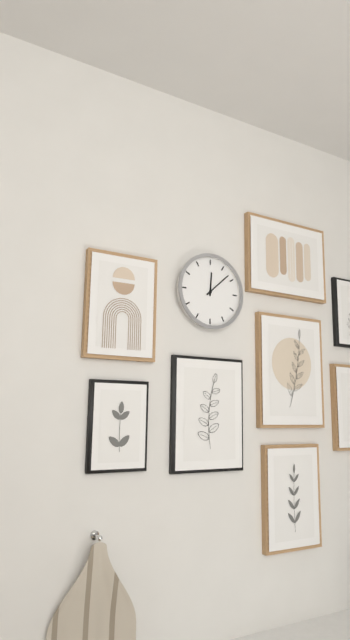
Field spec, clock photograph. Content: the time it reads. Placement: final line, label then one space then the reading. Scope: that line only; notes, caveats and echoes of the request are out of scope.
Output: 12:08
